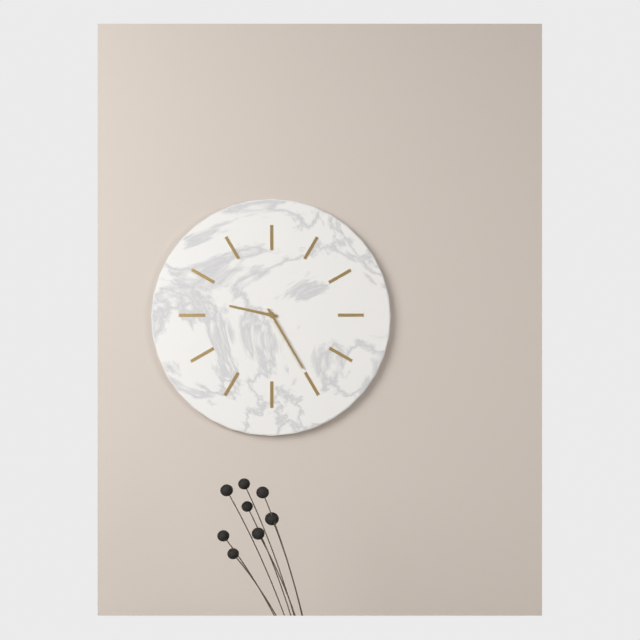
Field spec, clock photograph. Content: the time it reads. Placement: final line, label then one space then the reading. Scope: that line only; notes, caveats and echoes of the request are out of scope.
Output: 9:25
